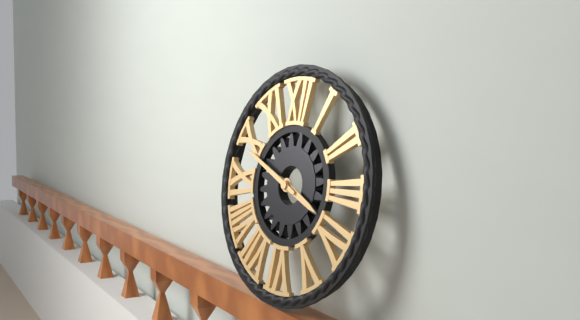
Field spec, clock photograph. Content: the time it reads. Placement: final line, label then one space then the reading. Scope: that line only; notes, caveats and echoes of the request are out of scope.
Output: 3:49
